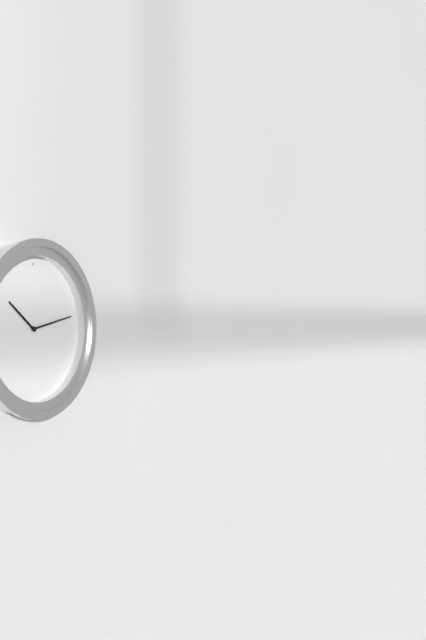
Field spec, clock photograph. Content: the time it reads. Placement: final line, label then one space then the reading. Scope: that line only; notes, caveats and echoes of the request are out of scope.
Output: 10:13
